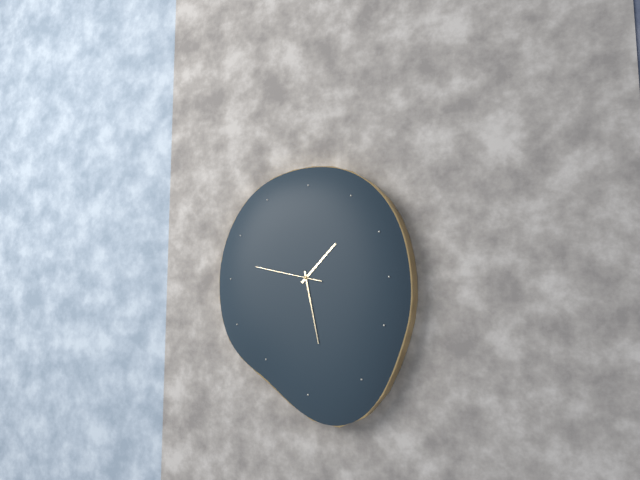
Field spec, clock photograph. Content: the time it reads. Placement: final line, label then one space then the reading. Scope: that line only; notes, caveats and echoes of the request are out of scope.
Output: 1:28:47
